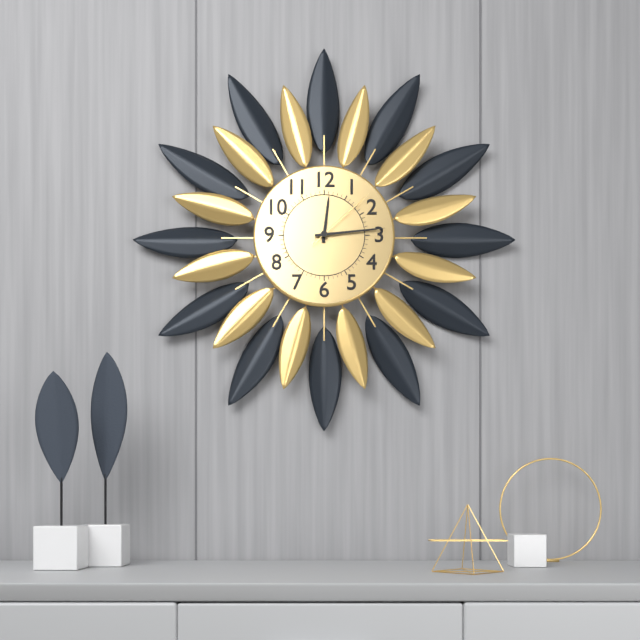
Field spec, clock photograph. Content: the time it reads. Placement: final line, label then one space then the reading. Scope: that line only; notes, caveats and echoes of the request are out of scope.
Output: 12:14:08
